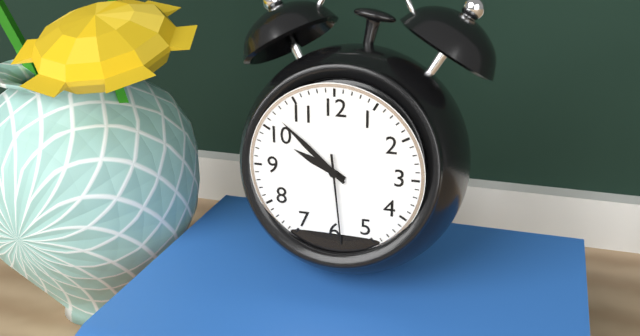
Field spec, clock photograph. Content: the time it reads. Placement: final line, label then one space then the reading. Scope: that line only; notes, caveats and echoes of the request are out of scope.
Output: 9:52:29
